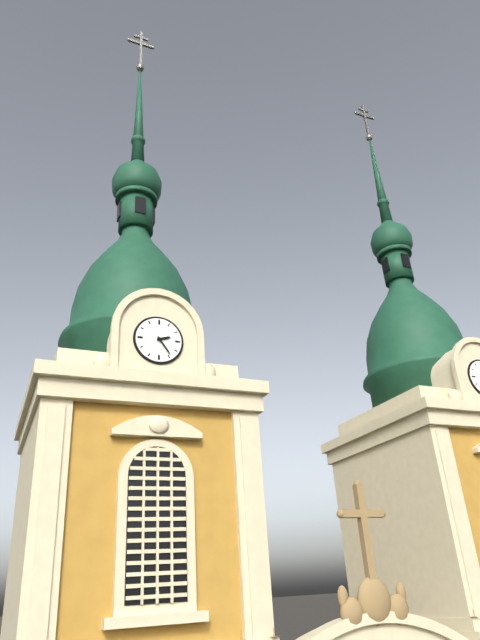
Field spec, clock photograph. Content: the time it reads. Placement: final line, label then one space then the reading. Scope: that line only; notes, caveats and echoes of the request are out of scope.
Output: 2:24
